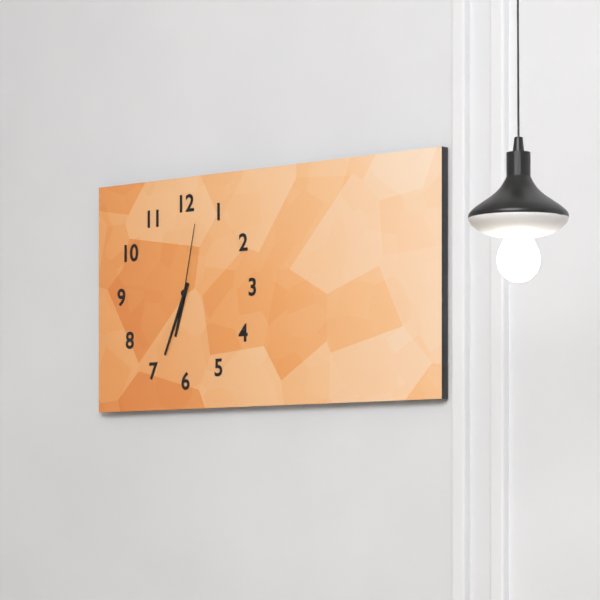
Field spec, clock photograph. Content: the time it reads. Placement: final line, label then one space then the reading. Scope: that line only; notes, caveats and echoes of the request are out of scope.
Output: 6:34:02
